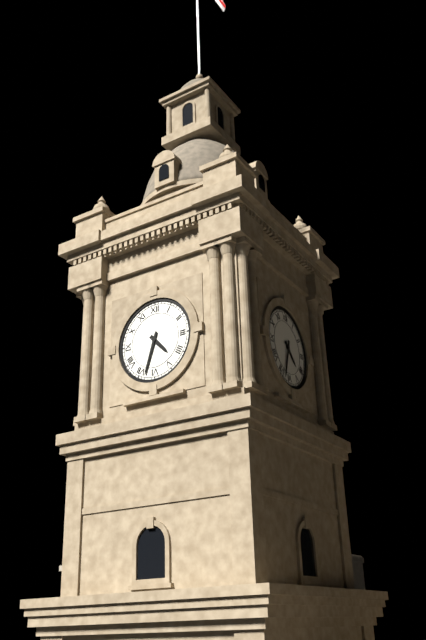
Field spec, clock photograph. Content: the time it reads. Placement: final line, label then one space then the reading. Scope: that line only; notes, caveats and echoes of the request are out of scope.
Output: 4:33
